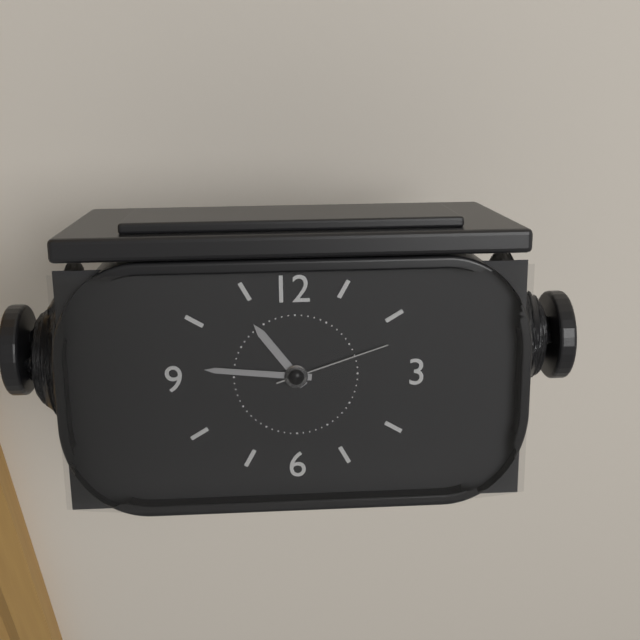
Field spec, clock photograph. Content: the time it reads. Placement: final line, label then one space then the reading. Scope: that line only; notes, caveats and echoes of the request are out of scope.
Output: 10:46:12
